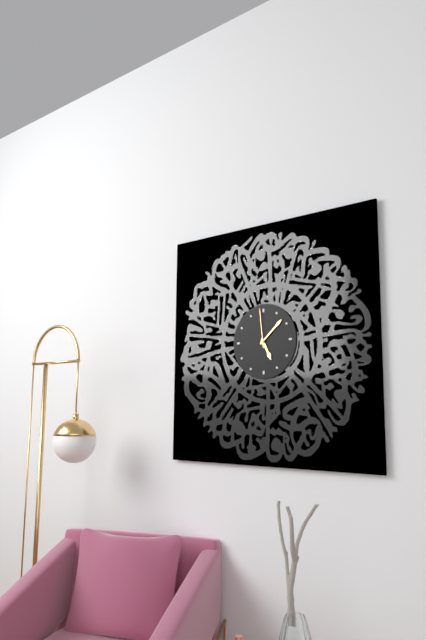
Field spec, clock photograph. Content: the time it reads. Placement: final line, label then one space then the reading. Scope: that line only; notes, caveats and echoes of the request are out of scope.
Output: 5:08
